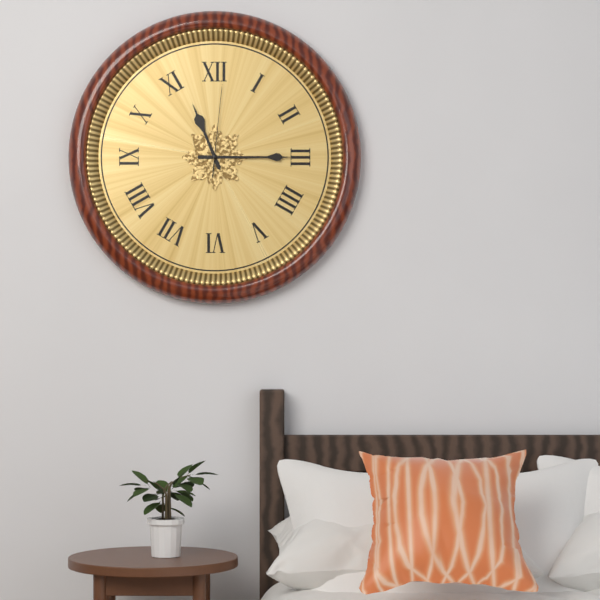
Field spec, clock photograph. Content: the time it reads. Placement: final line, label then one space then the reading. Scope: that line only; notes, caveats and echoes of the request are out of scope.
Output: 11:15:01
